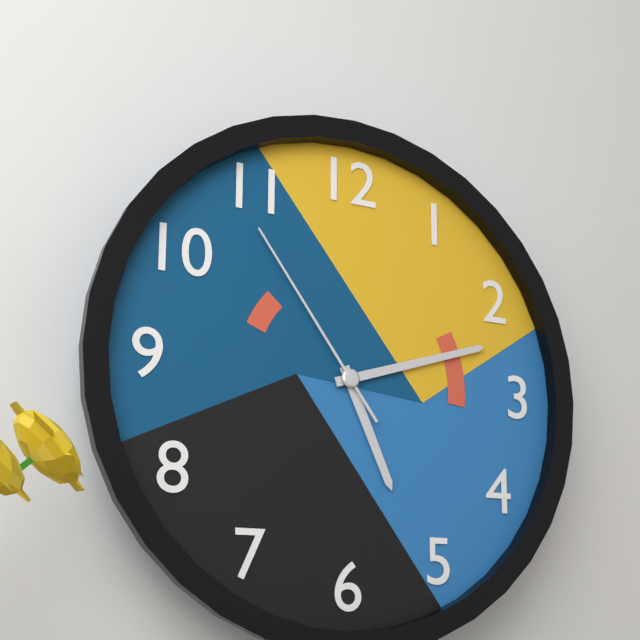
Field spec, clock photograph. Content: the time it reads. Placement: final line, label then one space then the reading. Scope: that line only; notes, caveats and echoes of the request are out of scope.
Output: 5:12:54
